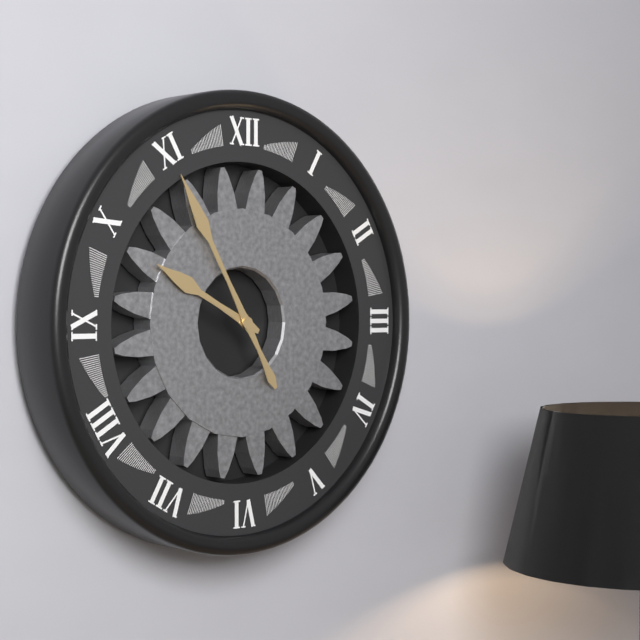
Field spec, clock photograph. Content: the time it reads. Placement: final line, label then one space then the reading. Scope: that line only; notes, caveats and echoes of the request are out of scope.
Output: 9:55
